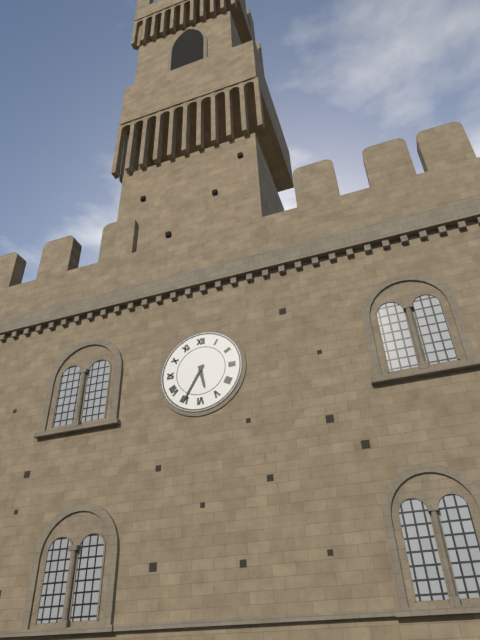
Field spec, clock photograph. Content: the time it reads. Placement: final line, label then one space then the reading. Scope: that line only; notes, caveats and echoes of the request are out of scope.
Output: 5:35
